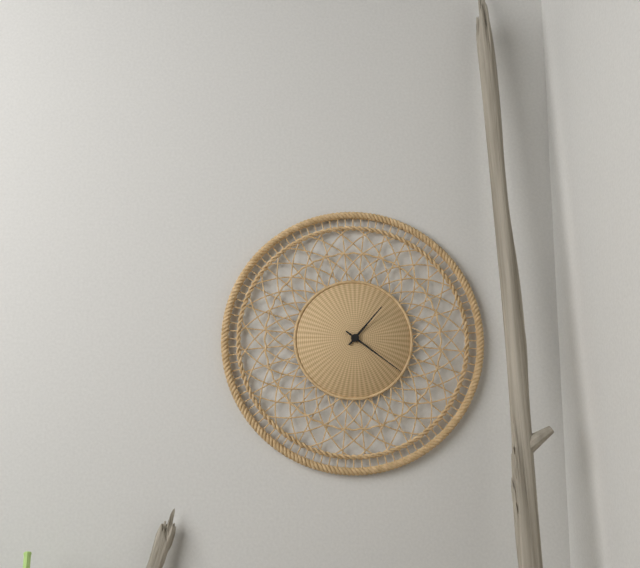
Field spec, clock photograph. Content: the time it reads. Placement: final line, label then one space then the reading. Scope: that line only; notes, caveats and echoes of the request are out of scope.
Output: 1:21
